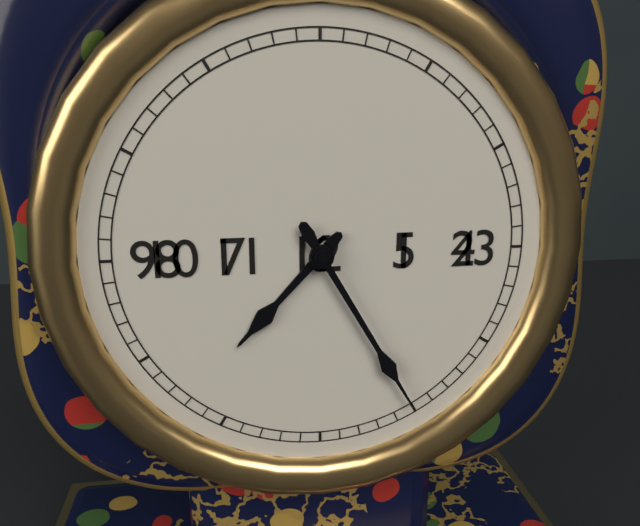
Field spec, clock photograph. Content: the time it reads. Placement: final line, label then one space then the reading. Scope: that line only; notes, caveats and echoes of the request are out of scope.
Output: 7:25
